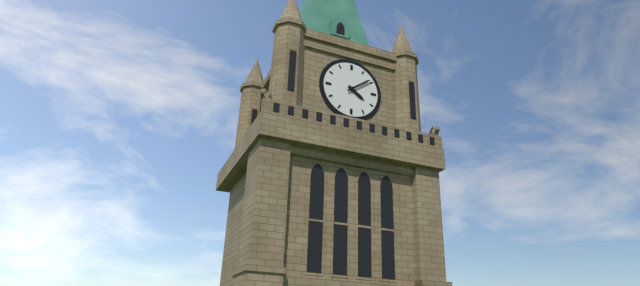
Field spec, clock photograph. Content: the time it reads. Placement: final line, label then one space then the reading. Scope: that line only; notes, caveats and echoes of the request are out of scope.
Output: 4:09
